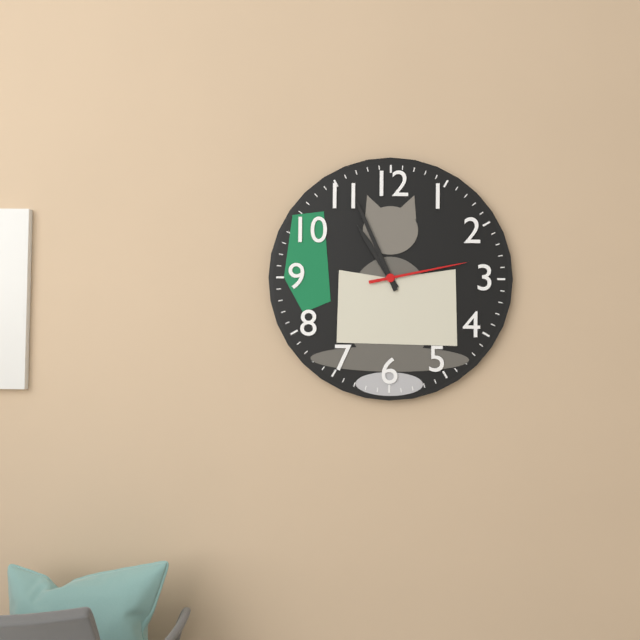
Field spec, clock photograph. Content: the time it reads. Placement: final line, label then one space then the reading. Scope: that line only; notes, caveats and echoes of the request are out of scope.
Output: 10:56:13
